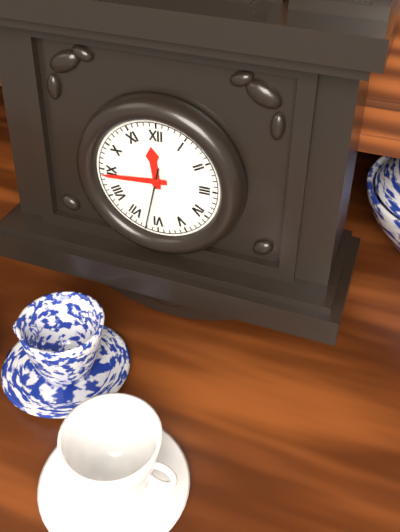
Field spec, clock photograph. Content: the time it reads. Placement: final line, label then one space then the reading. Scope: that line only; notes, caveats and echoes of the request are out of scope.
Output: 11:44:32
